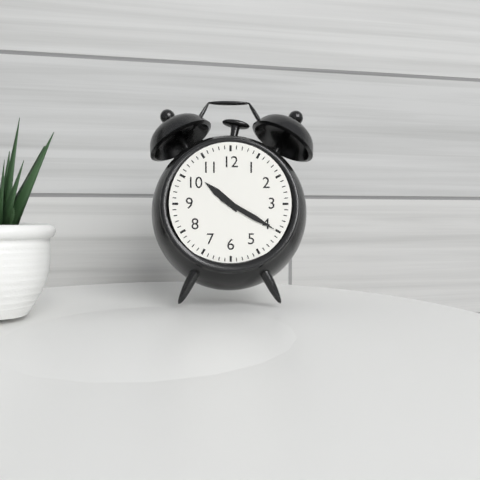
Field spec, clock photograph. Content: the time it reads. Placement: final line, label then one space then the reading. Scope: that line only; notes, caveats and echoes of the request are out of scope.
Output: 10:20
